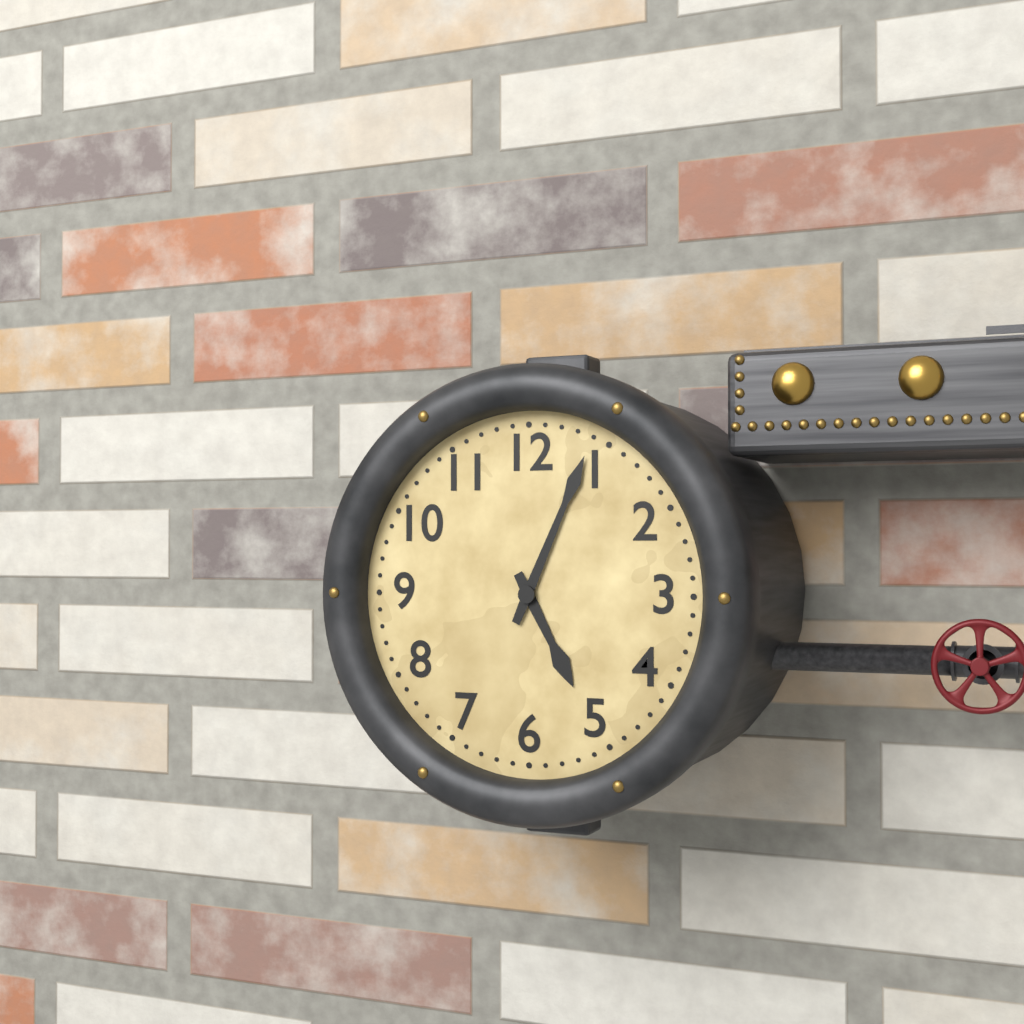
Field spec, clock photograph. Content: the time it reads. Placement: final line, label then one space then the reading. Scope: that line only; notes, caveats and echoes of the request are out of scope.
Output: 5:04
